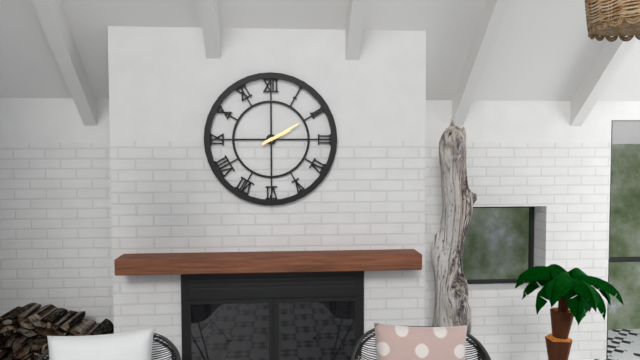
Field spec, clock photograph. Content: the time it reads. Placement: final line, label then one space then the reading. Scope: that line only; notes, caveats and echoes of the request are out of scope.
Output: 2:10
